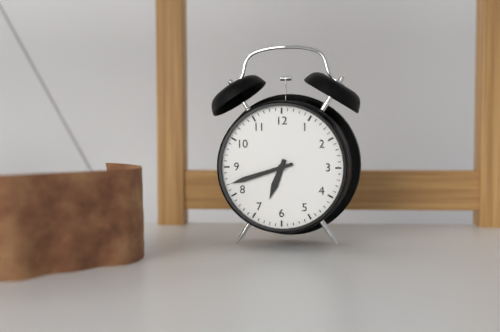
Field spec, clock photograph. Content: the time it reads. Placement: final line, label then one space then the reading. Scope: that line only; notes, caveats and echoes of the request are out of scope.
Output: 6:42
